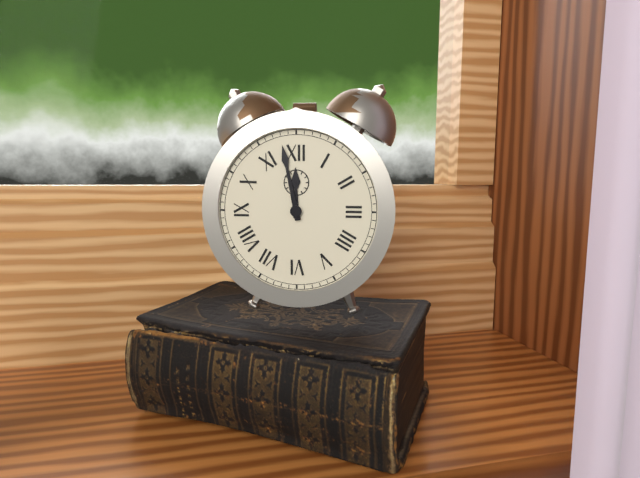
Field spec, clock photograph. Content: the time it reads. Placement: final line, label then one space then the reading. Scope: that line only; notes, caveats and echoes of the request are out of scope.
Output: 11:58
